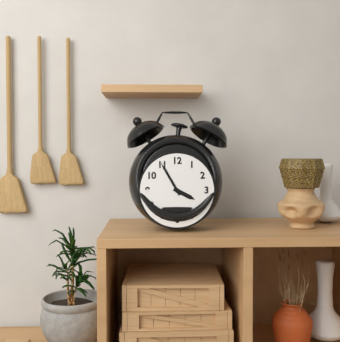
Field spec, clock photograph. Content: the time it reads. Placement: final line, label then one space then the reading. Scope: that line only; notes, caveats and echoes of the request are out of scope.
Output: 3:55
